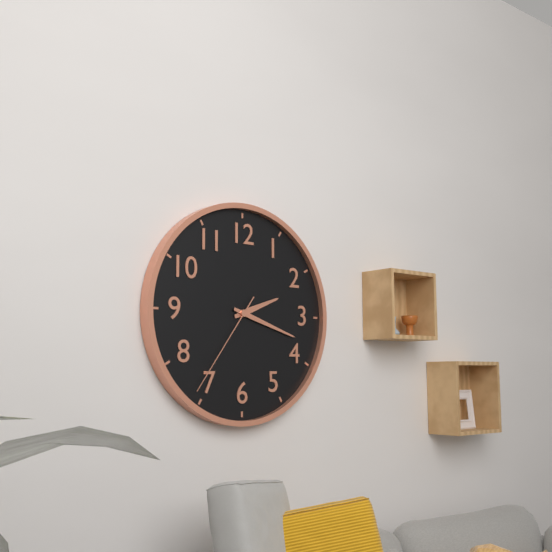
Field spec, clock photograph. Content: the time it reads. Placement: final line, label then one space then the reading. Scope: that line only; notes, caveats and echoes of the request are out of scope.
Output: 2:18:36
